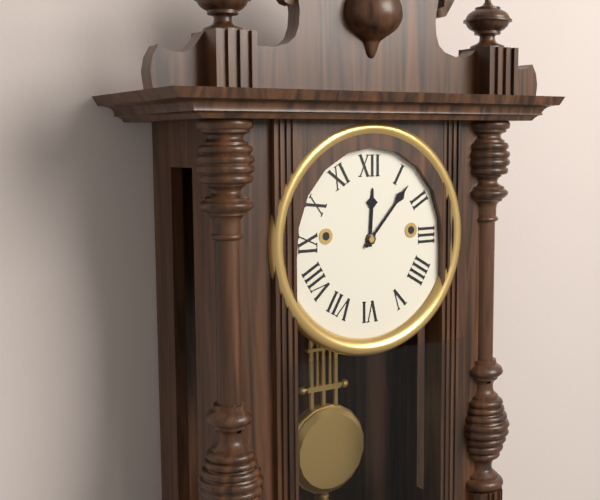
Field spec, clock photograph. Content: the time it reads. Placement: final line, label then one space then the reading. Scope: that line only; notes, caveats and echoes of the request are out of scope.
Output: 12:07
